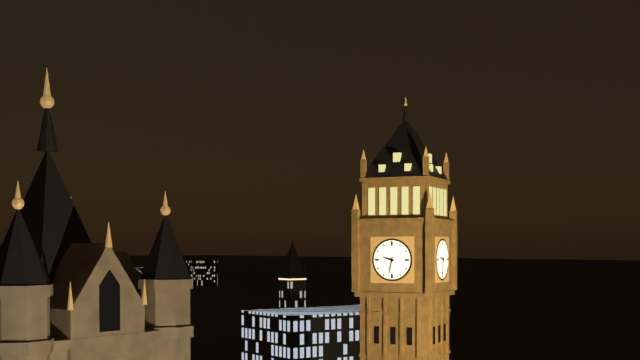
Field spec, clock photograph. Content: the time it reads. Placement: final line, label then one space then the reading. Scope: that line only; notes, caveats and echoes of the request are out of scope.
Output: 9:32
